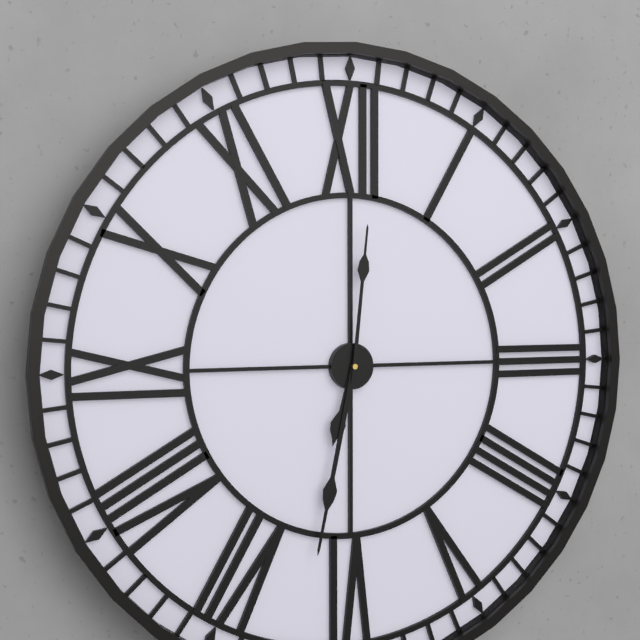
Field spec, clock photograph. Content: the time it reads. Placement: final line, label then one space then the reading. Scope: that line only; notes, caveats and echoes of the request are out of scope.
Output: 6:32:01
